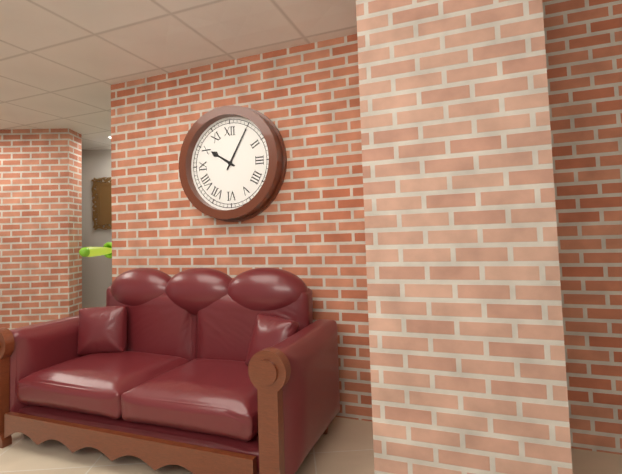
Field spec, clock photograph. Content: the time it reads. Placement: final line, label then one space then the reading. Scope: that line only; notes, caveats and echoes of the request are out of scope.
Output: 10:05
